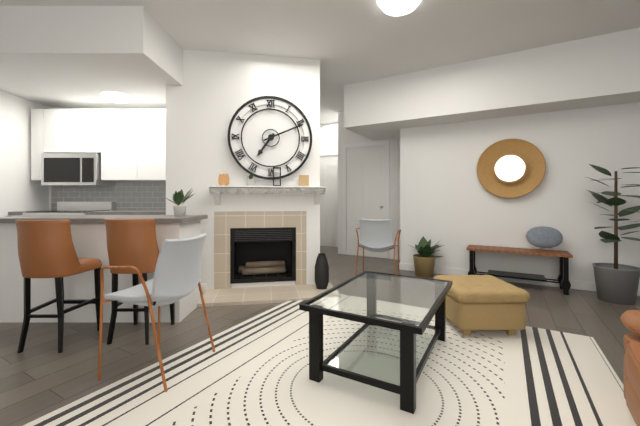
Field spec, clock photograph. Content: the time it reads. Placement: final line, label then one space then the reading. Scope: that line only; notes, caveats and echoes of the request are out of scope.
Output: 7:11
